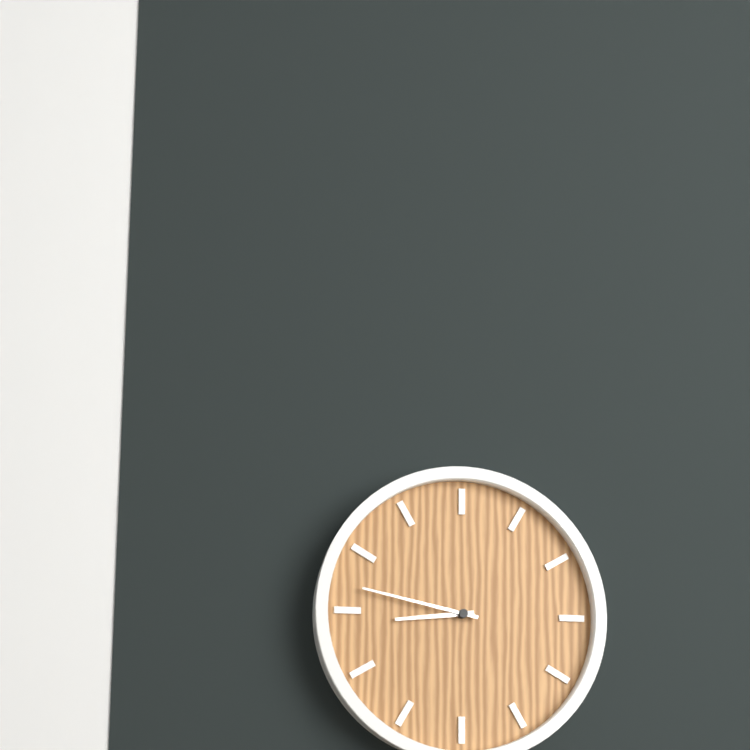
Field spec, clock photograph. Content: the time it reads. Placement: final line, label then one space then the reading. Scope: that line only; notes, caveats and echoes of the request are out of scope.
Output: 8:47
